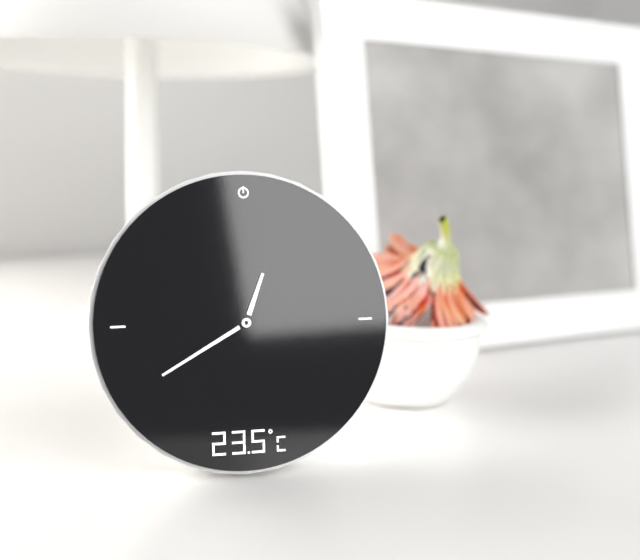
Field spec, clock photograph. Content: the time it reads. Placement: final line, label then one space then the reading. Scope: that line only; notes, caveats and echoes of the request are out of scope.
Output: 12:40
